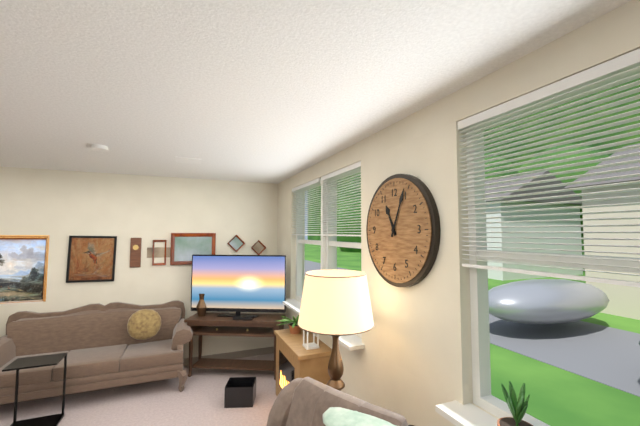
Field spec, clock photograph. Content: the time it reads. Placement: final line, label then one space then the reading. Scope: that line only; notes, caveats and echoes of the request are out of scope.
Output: 11:04
